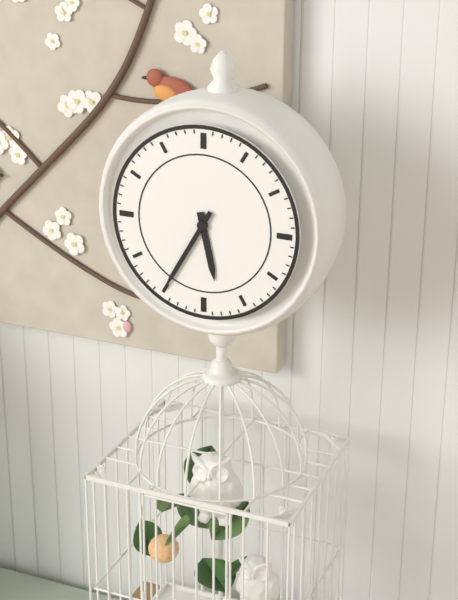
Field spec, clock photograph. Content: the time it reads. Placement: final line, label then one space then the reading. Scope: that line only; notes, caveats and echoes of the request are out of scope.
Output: 5:35
